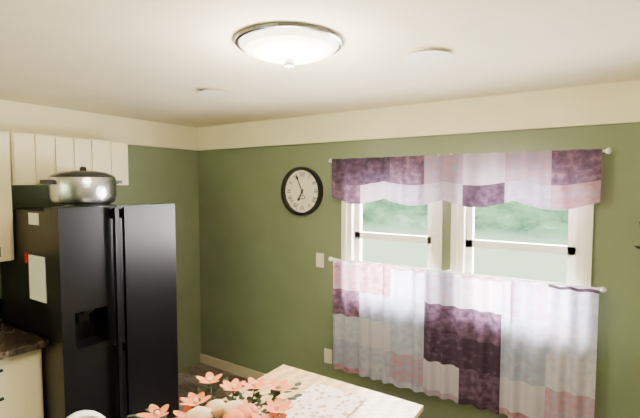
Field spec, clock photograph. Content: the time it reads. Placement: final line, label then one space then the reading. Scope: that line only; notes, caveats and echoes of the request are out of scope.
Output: 6:56
